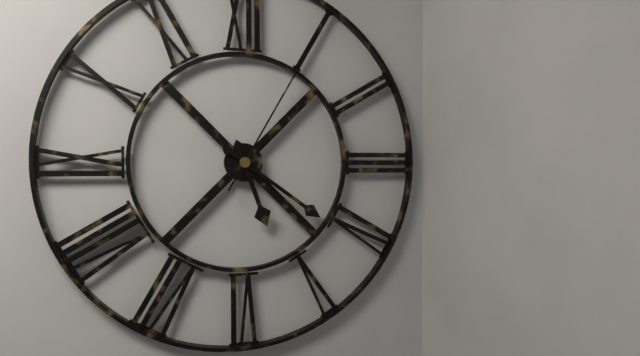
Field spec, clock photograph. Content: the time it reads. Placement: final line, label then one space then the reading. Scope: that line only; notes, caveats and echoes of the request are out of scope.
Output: 5:21:05
